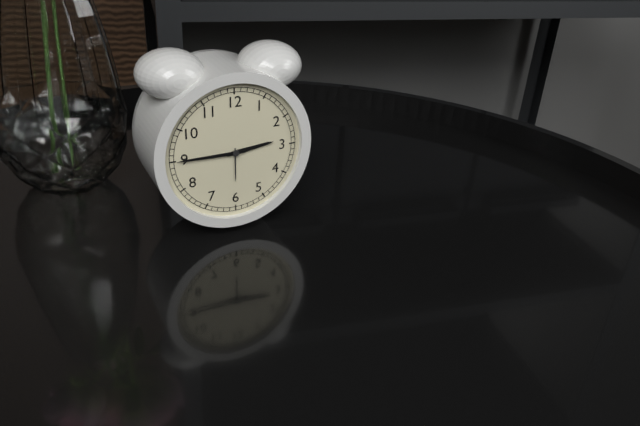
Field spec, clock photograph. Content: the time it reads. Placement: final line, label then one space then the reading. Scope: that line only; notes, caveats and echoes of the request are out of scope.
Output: 2:45
